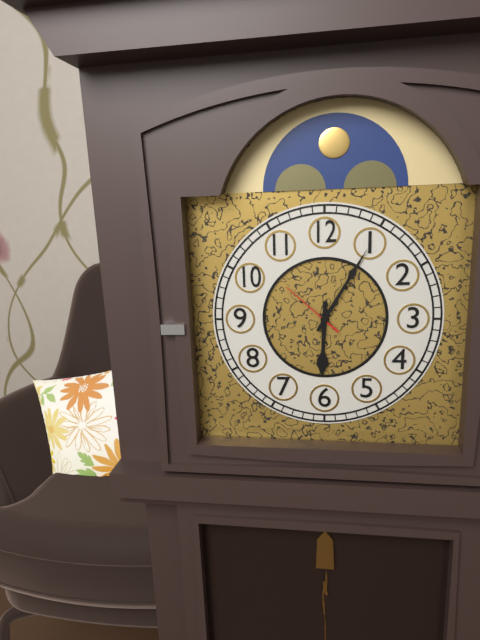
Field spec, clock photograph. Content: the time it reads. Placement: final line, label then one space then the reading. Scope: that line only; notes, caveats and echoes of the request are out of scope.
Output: 6:05:52
